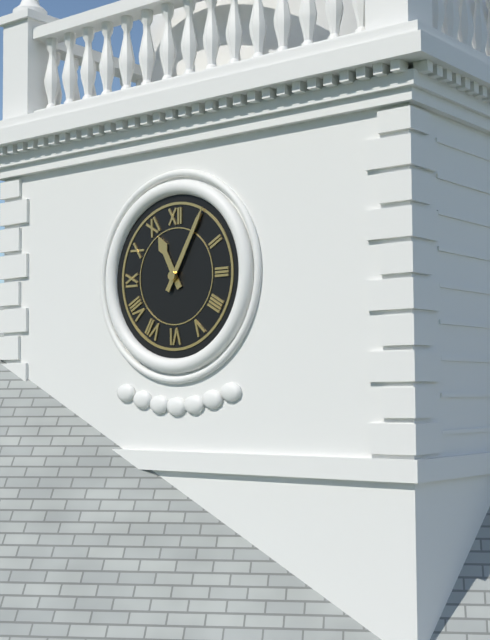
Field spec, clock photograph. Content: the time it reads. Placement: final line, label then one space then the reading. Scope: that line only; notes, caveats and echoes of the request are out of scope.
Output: 11:05
